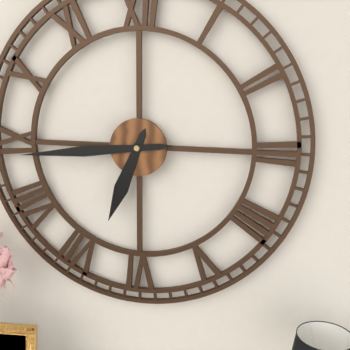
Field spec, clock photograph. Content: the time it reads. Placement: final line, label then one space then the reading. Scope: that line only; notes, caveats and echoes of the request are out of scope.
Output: 6:44
